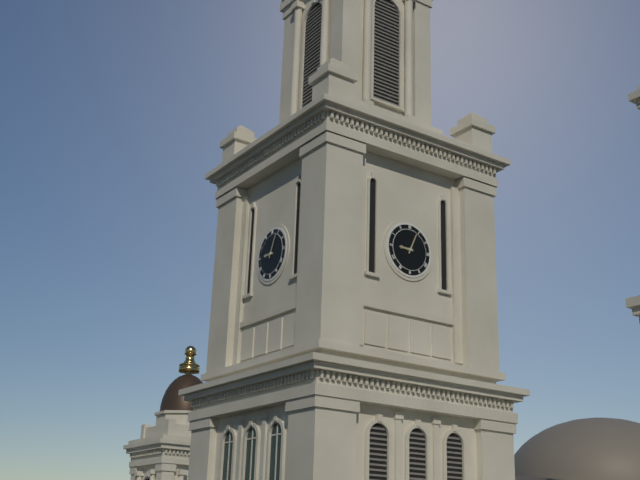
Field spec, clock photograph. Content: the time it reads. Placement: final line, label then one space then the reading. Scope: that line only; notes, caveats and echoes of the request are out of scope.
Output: 9:04
